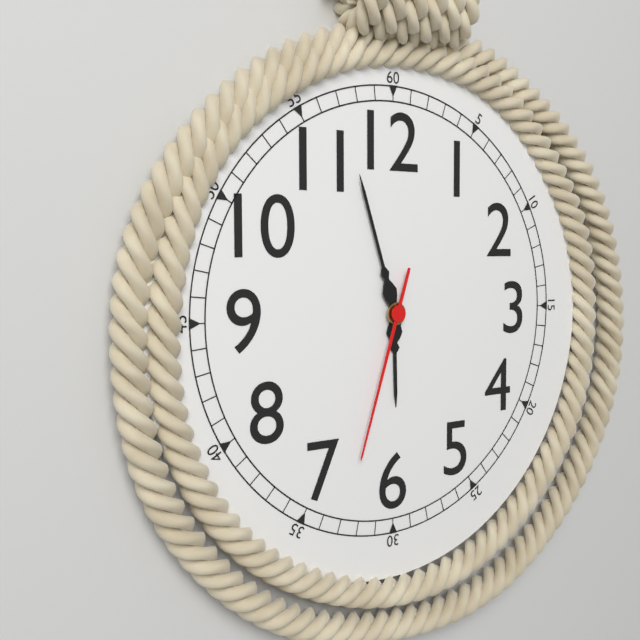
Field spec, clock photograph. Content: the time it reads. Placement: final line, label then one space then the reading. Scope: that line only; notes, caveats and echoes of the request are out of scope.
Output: 5:57:33
